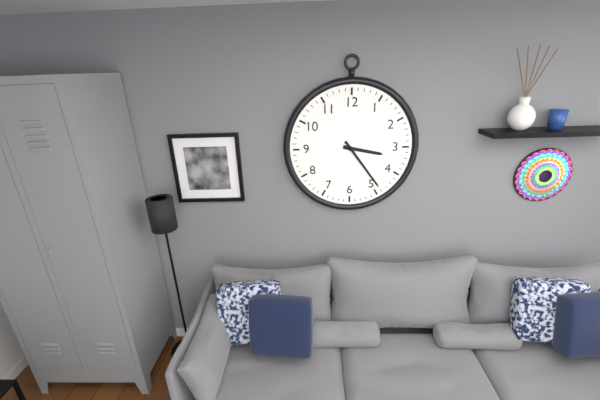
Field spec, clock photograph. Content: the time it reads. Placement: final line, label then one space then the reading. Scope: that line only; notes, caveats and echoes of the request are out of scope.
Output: 3:24
